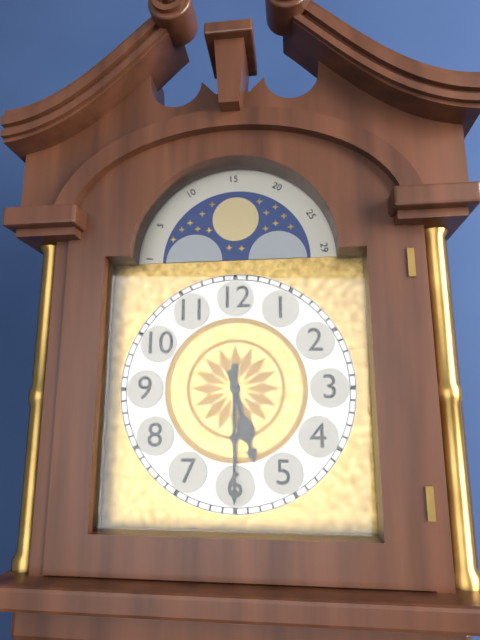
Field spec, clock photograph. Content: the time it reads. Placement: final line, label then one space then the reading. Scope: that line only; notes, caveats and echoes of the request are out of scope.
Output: 5:30
